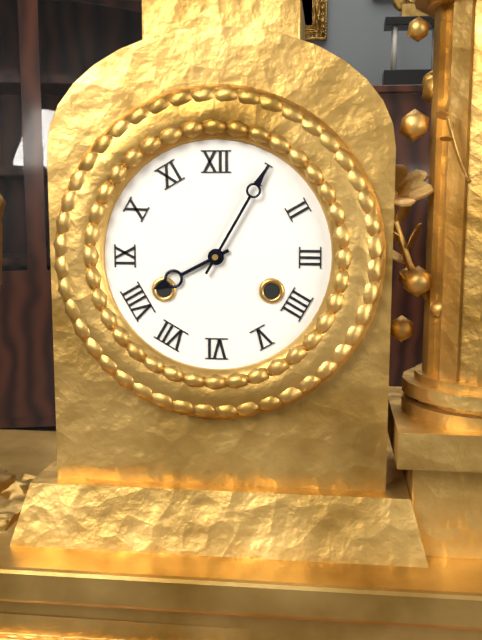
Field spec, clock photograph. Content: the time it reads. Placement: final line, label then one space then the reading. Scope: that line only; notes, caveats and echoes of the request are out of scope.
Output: 8:05
